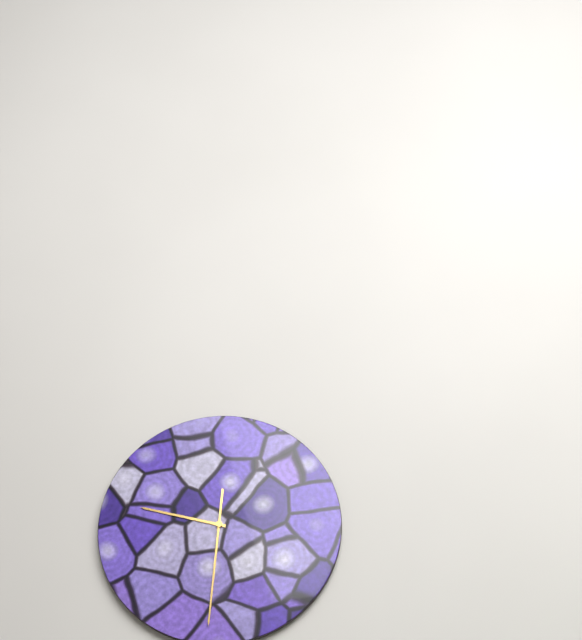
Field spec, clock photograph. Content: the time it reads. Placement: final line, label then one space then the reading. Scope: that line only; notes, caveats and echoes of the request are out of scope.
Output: 9:31
